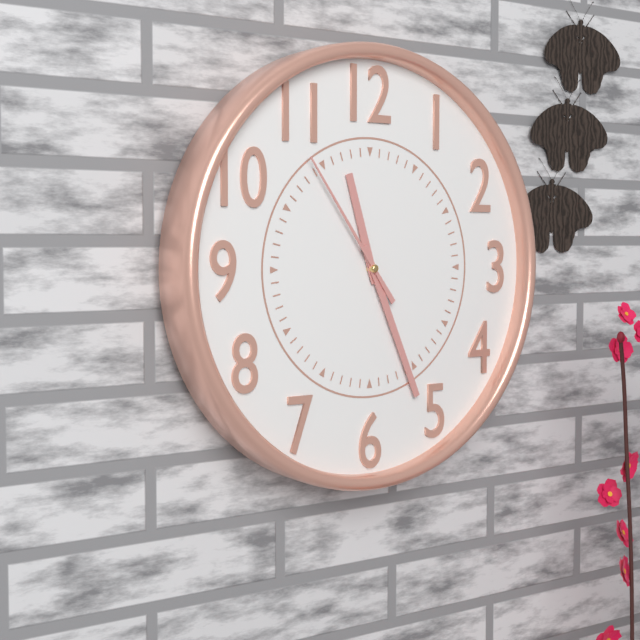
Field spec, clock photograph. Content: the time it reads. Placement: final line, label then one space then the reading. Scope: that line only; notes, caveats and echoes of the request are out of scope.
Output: 11:26:54
